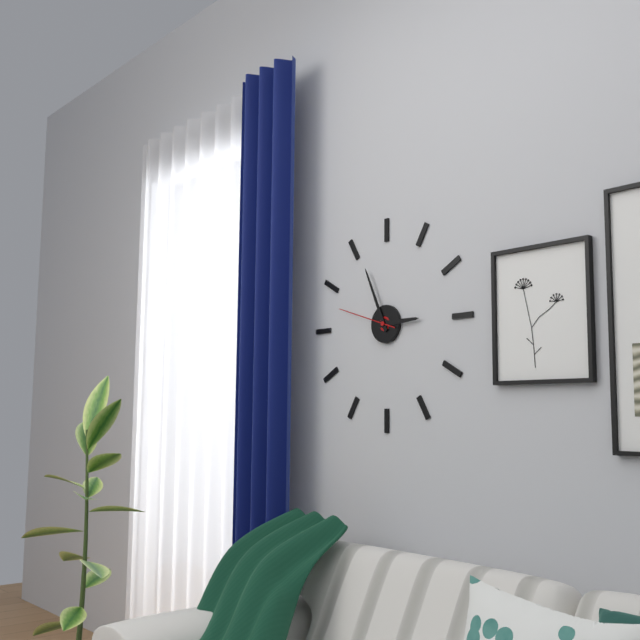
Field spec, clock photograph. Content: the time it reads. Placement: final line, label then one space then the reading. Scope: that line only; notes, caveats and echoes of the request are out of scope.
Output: 2:56:48
